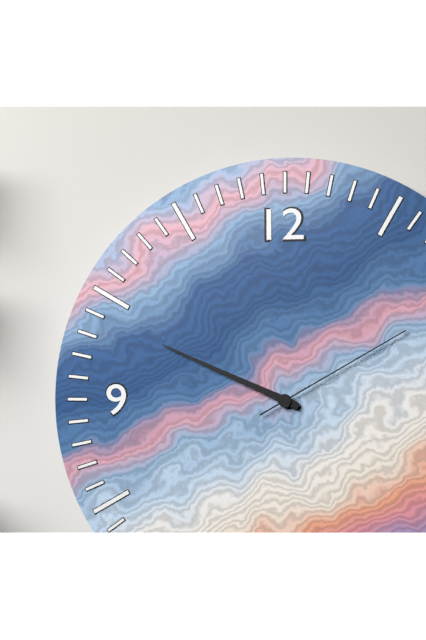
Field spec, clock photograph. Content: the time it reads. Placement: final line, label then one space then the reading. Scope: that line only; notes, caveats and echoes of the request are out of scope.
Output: 9:49:10
